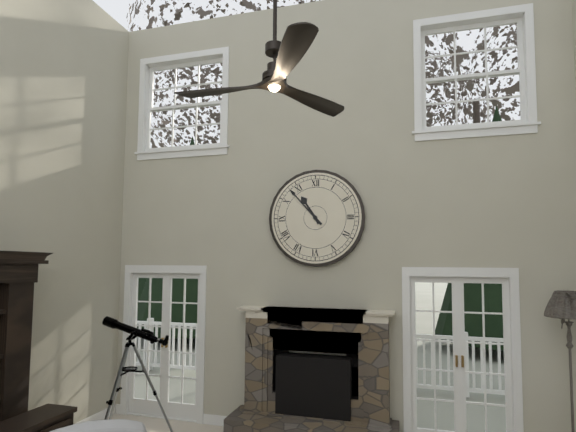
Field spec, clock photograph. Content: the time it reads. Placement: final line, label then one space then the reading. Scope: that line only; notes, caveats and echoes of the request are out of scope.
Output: 10:53
